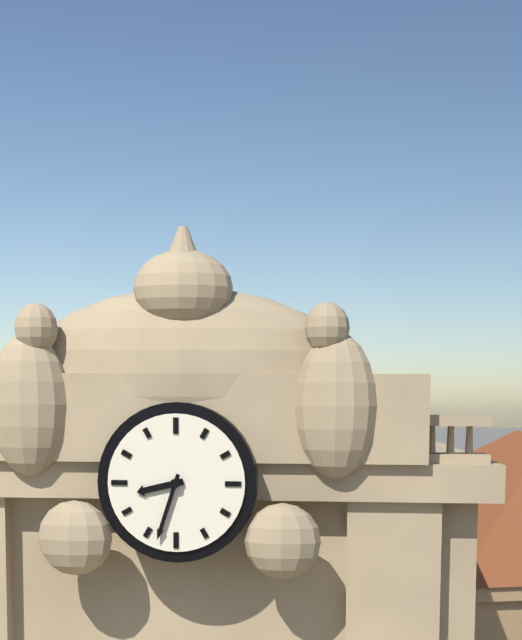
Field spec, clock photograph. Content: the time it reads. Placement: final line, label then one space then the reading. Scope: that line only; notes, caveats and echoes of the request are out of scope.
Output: 8:33
